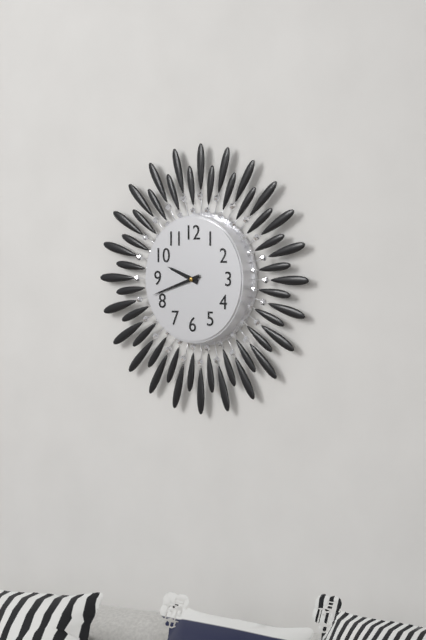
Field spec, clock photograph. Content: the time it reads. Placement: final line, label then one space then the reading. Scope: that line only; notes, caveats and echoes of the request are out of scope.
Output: 9:42
